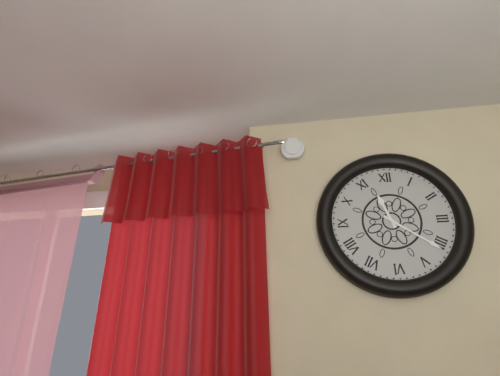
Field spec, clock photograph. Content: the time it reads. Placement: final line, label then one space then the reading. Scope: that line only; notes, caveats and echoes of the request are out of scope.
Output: 11:21
